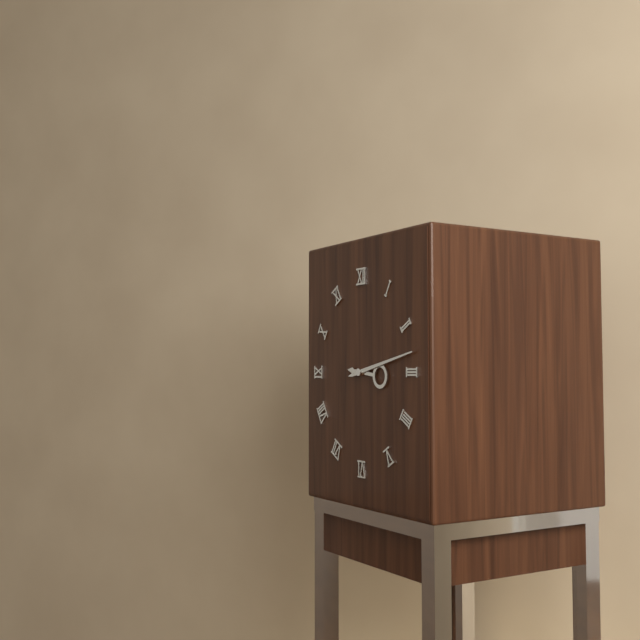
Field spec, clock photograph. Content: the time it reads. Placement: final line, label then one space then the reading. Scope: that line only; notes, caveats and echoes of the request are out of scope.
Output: 3:13
